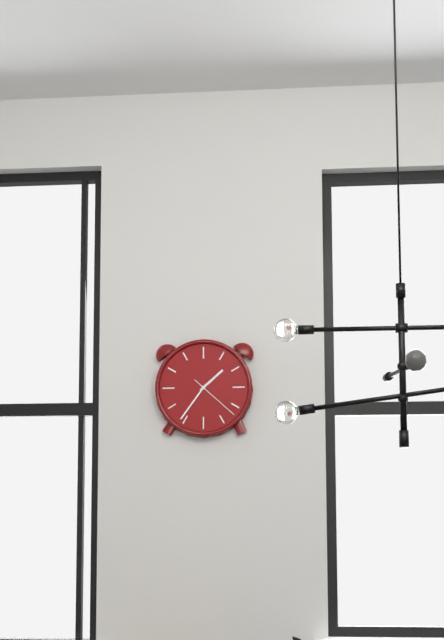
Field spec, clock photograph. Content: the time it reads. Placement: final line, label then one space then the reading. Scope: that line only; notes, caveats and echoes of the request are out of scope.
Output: 1:36:22
